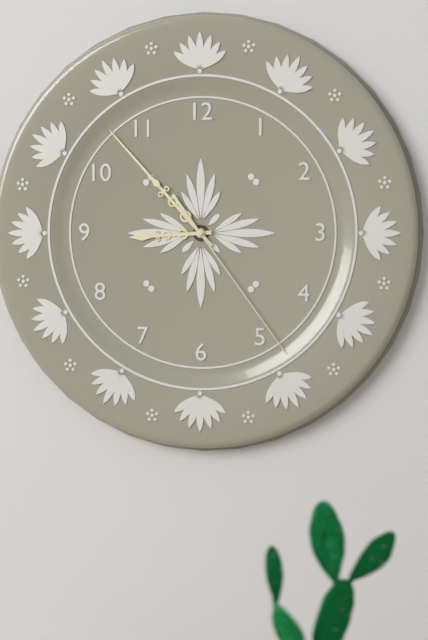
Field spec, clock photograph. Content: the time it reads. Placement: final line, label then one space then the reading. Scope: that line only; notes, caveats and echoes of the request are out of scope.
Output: 8:53:24
